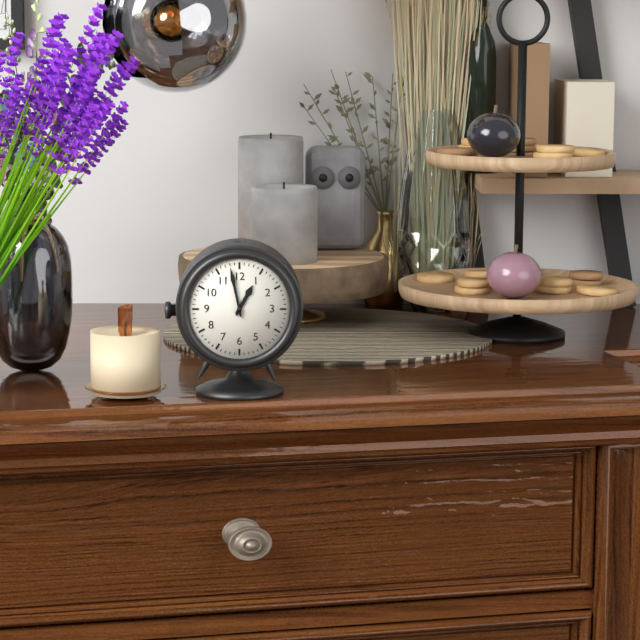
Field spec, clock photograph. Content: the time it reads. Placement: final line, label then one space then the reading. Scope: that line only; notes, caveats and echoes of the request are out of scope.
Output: 12:58
